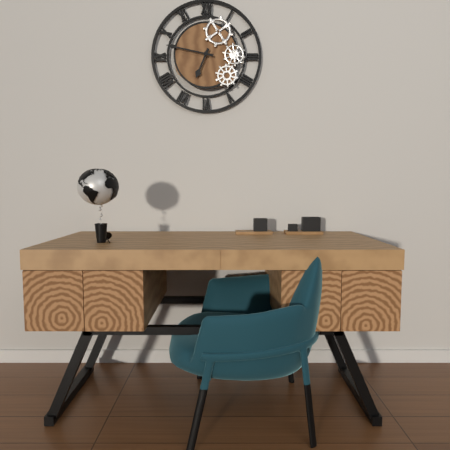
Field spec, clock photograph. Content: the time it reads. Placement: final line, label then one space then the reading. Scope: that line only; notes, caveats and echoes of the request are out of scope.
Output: 6:47
